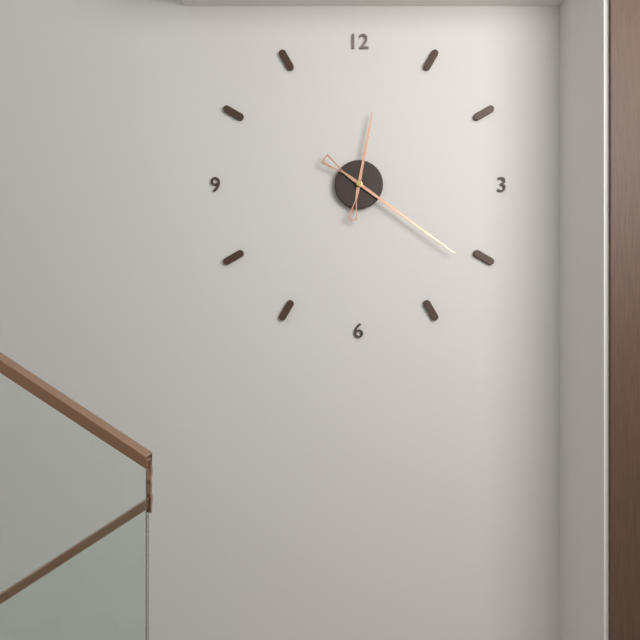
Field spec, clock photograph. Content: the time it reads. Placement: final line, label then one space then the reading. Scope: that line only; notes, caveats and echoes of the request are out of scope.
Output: 12:21
